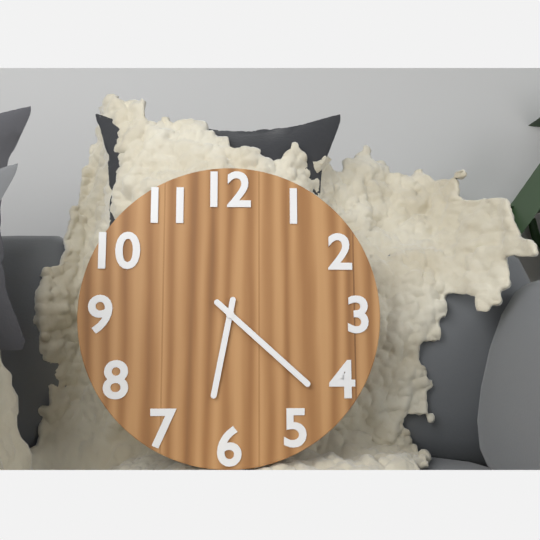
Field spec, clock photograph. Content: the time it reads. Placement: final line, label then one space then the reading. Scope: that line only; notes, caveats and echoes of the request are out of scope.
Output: 6:22
